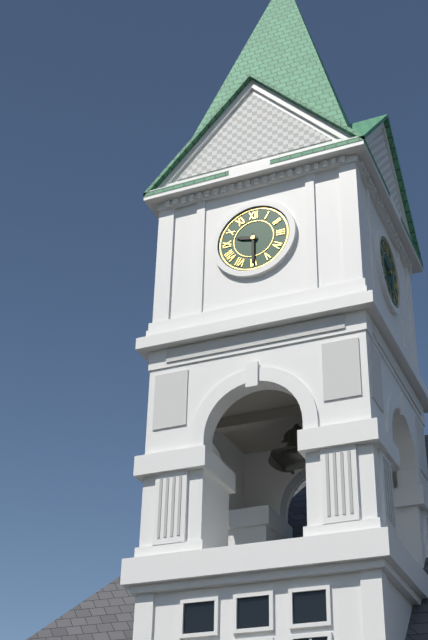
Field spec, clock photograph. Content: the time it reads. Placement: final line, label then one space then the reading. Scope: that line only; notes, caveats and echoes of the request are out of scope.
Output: 9:30
